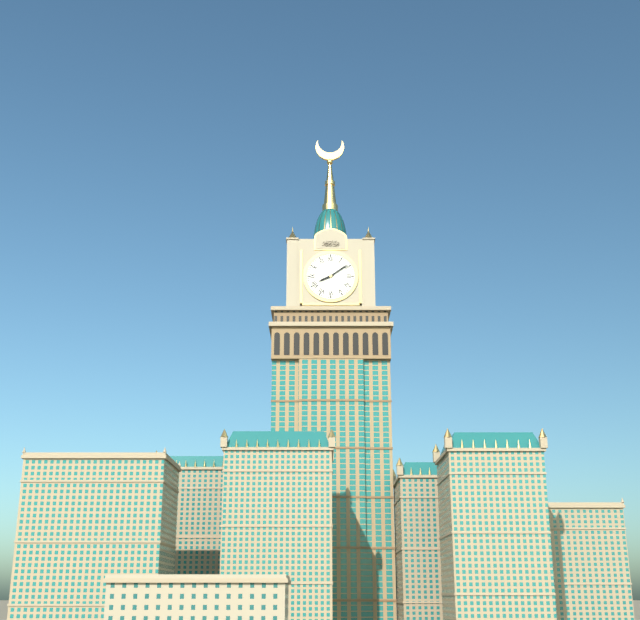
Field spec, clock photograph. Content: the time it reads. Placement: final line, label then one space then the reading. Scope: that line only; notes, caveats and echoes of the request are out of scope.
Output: 8:09
